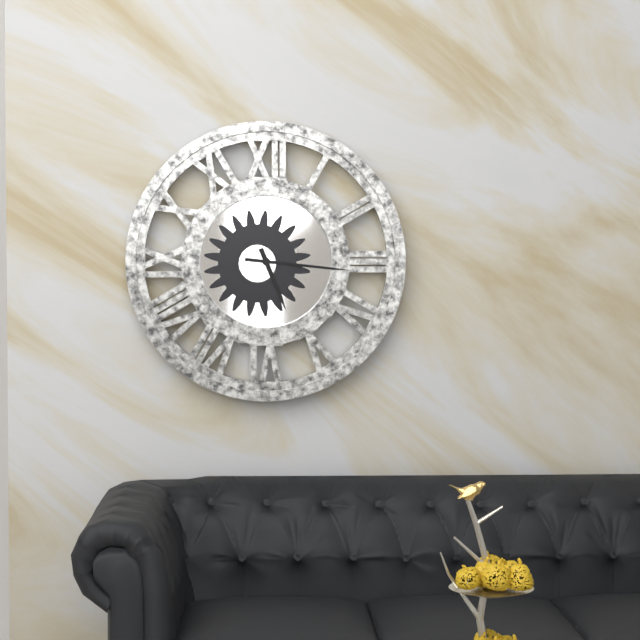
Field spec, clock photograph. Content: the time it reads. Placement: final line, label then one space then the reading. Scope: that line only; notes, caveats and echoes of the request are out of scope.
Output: 5:16
